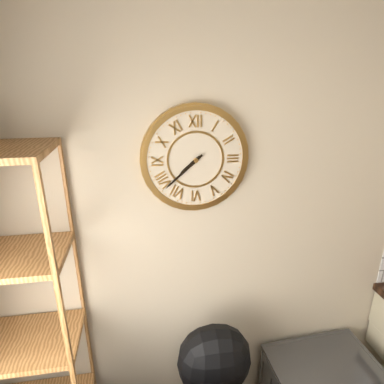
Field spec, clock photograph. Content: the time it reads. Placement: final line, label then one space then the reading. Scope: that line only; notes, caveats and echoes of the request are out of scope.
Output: 7:38
